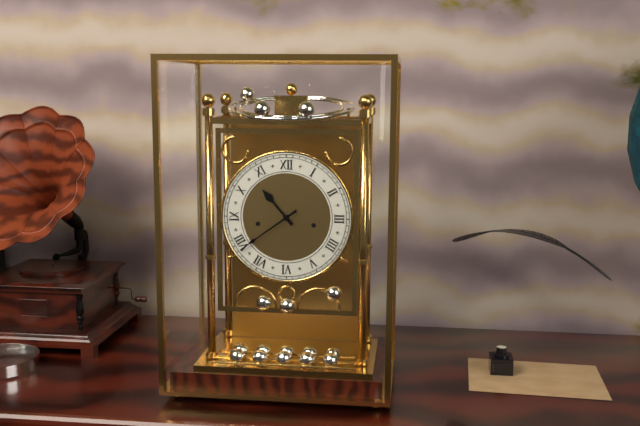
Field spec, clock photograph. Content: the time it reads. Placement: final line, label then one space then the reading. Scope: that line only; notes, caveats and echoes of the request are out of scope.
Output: 10:39
